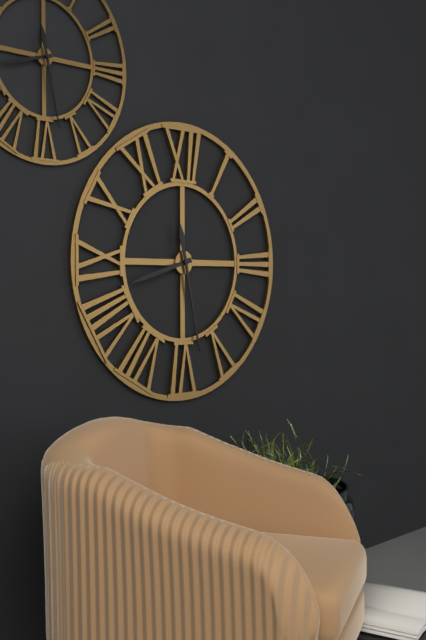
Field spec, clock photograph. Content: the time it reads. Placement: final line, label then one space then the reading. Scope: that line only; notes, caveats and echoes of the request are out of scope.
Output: 8:28
